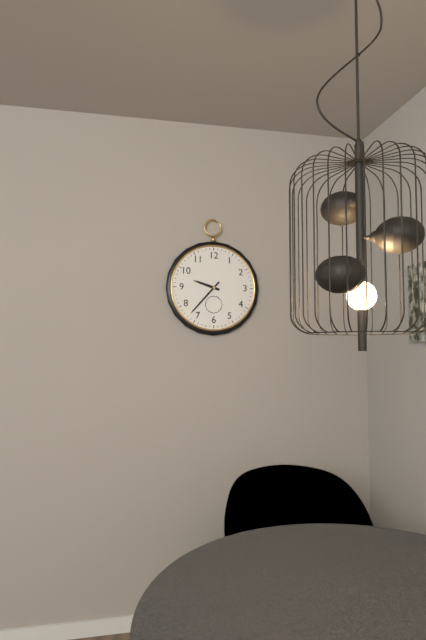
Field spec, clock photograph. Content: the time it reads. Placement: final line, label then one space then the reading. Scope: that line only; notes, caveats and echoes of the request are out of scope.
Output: 9:37
